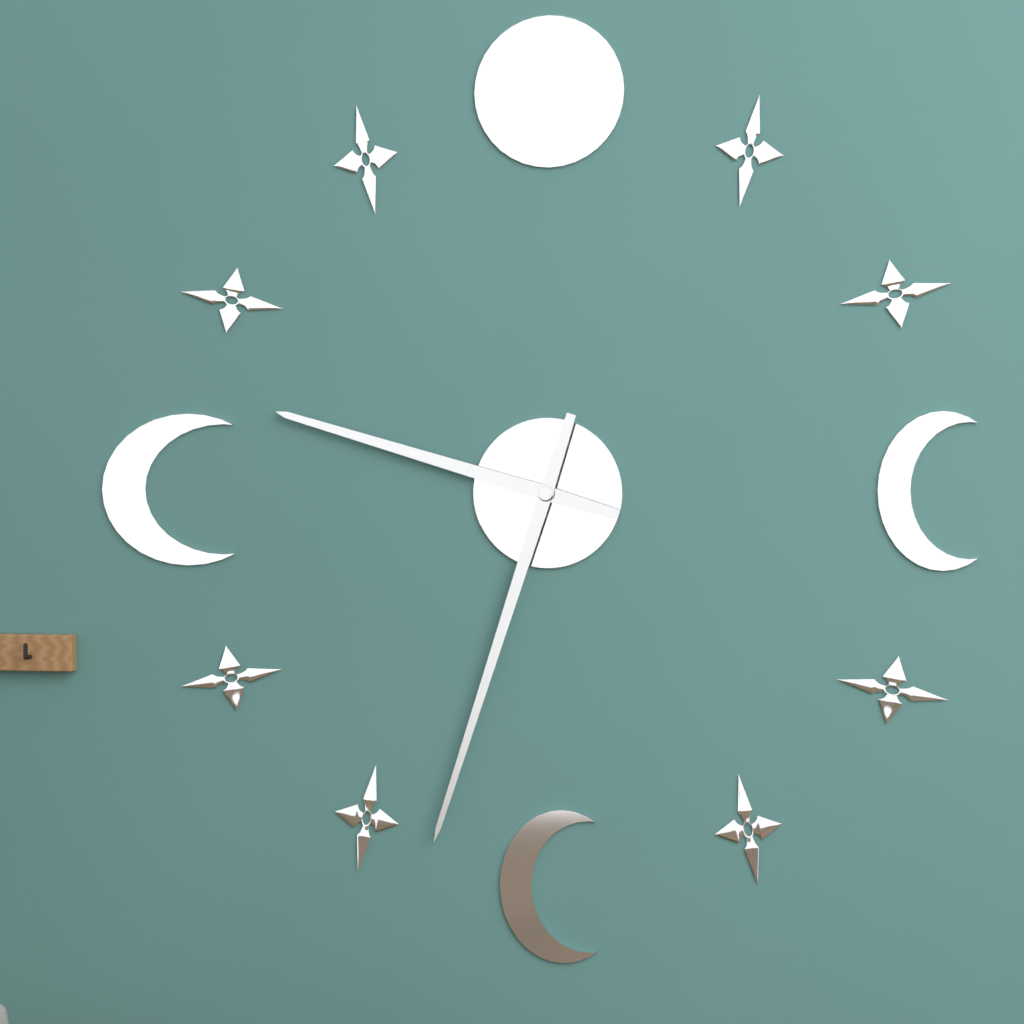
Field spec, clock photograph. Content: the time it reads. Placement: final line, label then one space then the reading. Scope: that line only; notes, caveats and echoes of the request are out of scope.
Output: 9:33
